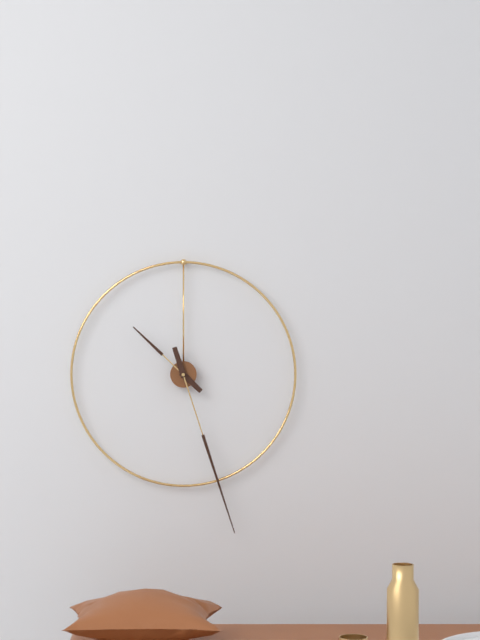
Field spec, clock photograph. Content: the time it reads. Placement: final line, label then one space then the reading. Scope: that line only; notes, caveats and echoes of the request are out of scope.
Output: 10:27
